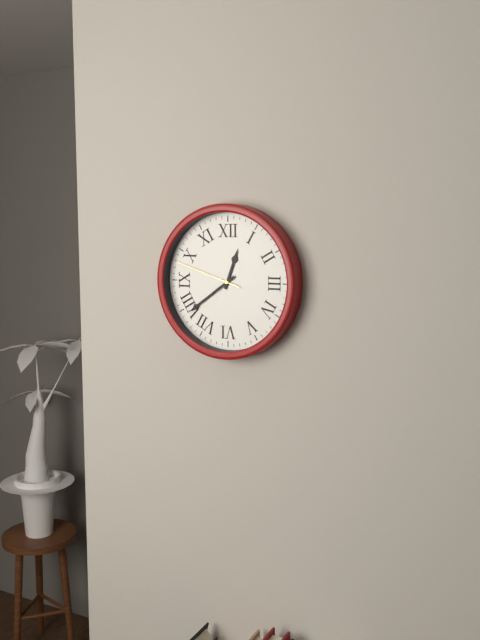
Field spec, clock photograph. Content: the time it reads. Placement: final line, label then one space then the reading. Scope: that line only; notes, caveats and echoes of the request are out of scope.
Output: 12:39:48
